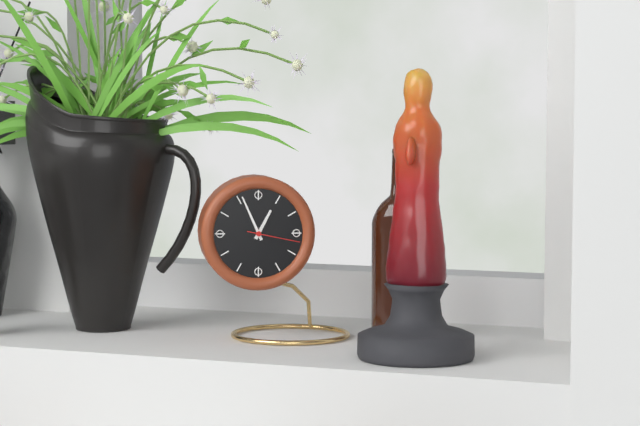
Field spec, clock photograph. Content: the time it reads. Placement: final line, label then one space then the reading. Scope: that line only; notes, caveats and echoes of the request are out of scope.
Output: 12:56:17
